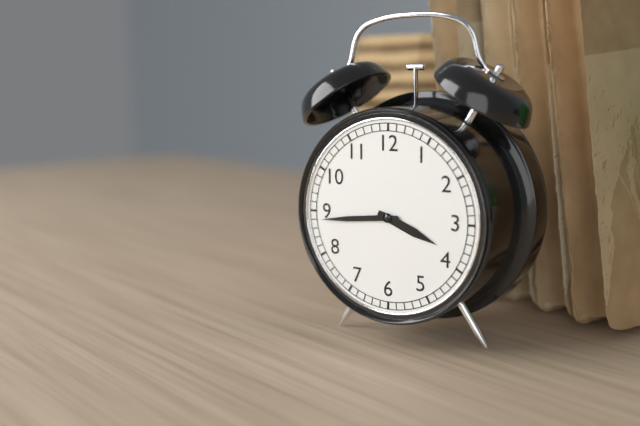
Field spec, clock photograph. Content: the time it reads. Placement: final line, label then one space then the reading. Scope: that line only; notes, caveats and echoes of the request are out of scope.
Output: 3:44
